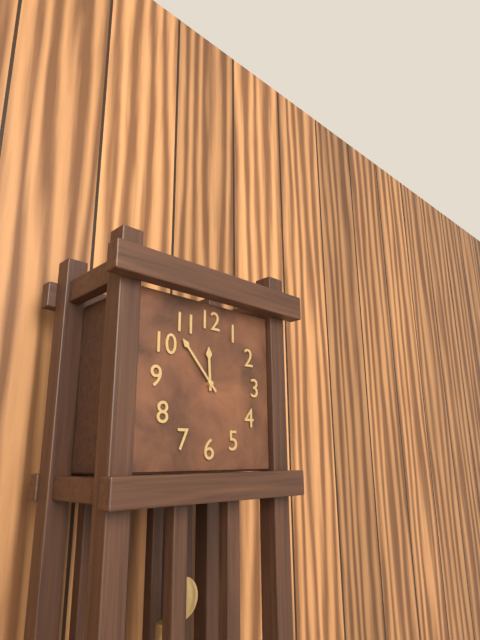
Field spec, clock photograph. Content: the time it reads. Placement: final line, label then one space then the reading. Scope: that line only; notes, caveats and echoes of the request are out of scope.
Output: 11:53
